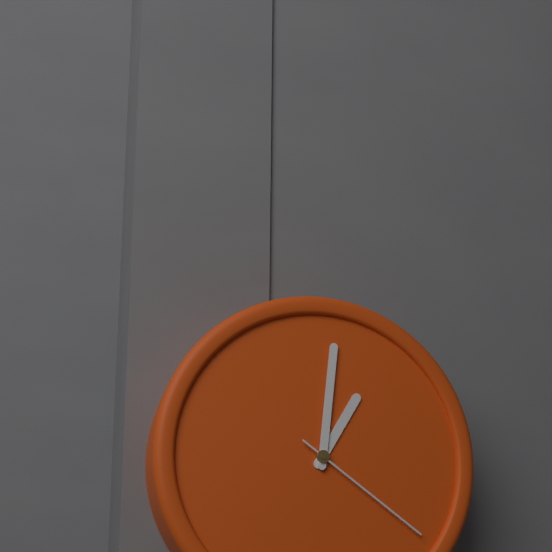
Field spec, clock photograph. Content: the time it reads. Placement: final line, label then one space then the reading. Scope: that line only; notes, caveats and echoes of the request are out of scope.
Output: 1:01:21
